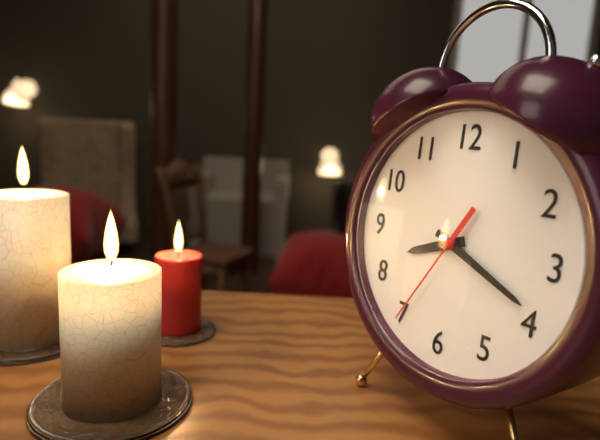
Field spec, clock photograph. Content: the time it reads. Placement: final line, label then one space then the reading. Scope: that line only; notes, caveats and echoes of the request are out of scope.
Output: 8:19:35
